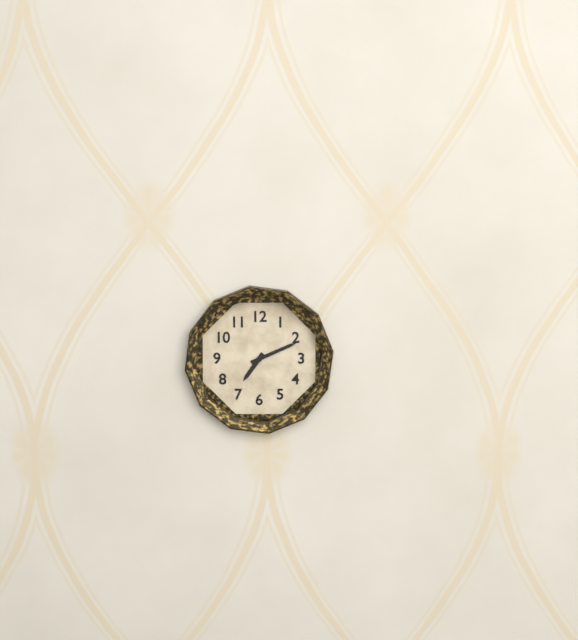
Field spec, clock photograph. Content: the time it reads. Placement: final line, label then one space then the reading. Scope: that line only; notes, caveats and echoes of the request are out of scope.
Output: 7:11
